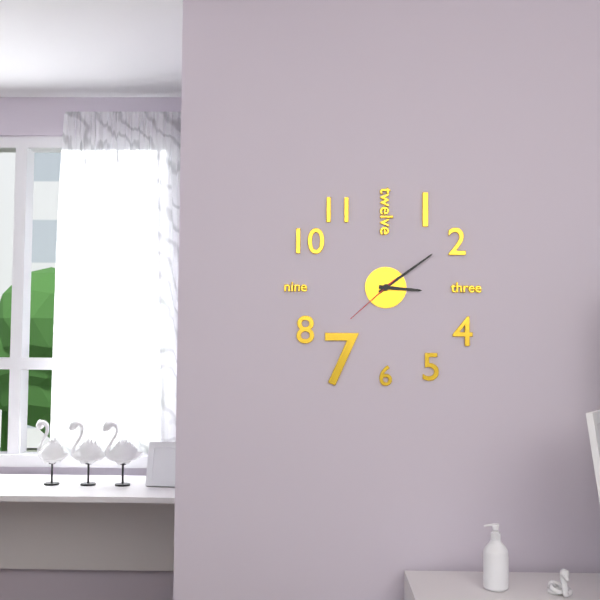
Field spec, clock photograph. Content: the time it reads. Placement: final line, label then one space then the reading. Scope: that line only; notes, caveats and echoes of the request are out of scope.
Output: 3:09:38
